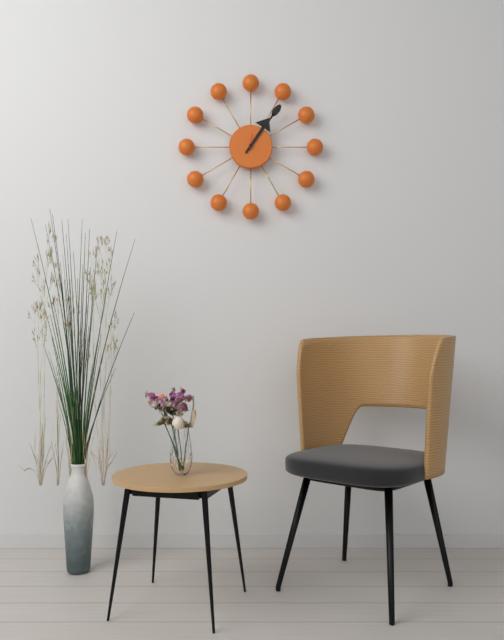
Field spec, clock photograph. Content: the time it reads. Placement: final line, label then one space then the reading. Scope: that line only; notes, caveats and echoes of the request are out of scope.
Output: 1:06
